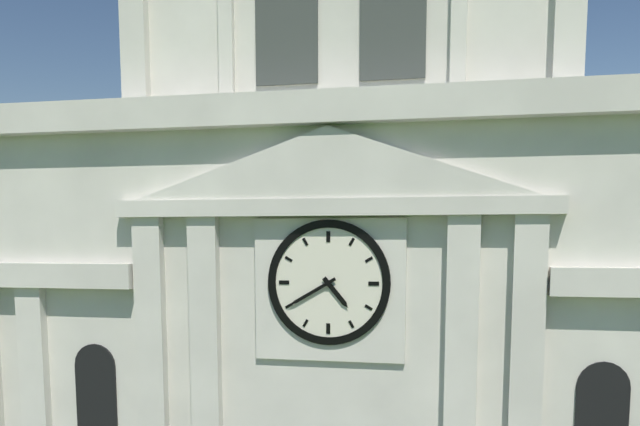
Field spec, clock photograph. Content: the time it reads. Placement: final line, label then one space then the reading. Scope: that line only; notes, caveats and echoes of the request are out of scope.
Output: 4:40
